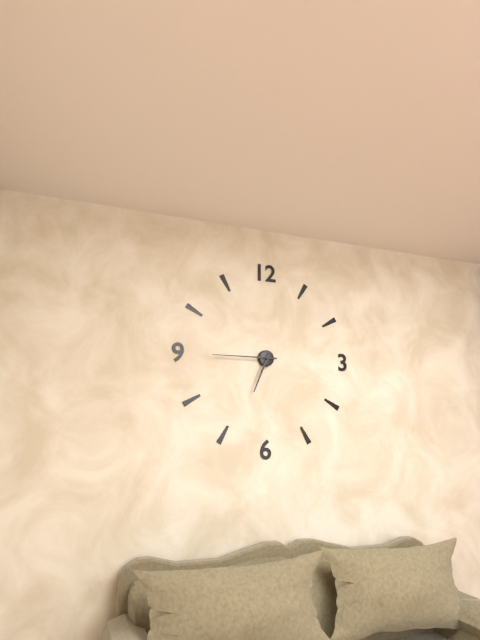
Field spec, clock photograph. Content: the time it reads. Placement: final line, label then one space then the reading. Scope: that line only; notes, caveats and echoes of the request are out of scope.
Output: 6:45
